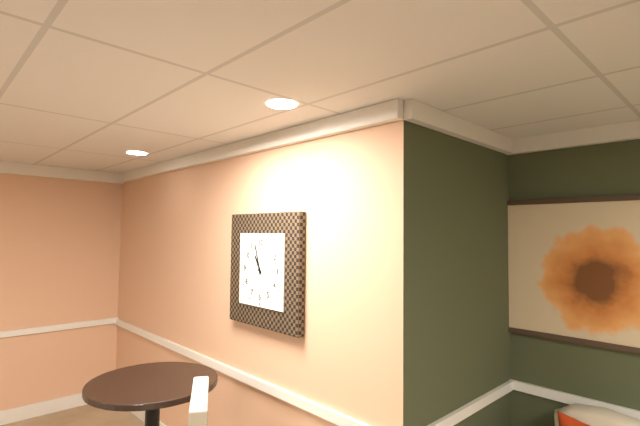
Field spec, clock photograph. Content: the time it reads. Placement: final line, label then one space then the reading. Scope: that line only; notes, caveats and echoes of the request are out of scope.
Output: 10:57
